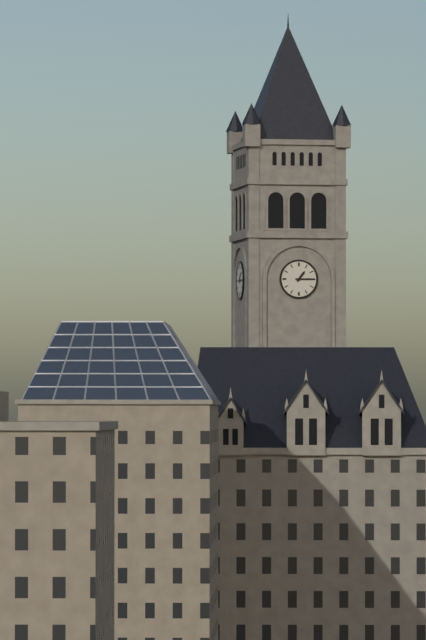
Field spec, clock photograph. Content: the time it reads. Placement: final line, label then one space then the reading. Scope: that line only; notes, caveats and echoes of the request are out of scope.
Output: 1:15
